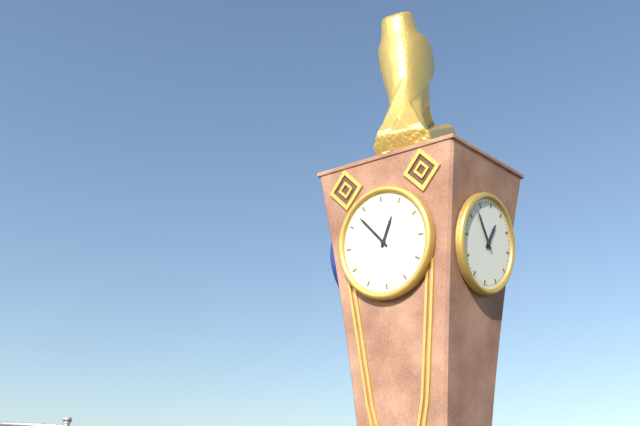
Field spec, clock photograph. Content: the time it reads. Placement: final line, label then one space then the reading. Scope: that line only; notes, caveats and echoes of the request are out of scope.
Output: 12:53
